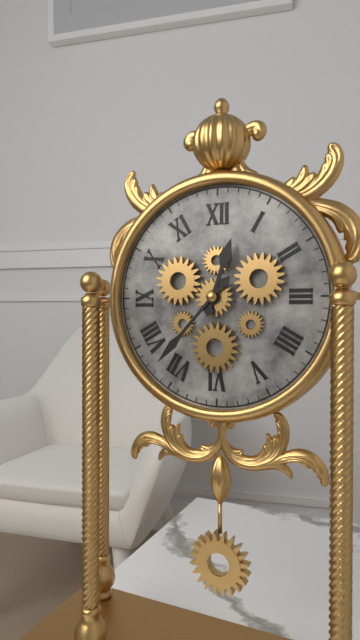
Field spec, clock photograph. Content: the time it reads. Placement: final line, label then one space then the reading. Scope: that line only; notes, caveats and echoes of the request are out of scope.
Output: 12:37
